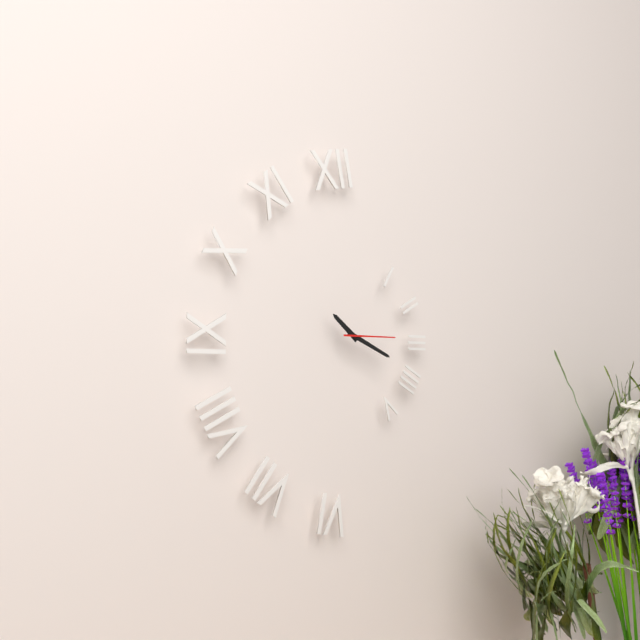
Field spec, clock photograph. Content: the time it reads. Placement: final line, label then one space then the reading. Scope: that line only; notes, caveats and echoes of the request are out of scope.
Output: 10:19:15
